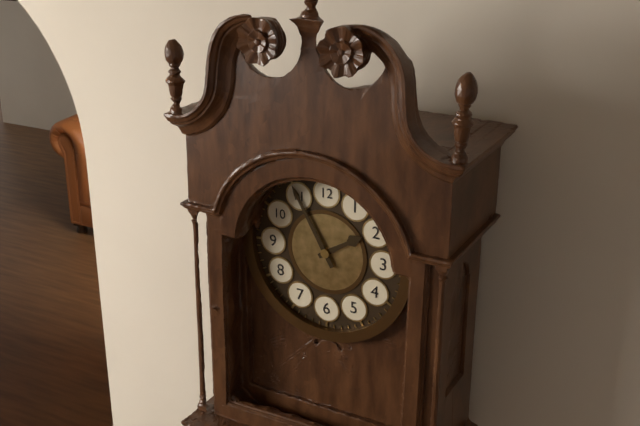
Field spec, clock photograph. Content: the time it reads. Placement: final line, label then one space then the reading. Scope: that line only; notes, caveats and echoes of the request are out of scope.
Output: 1:55
